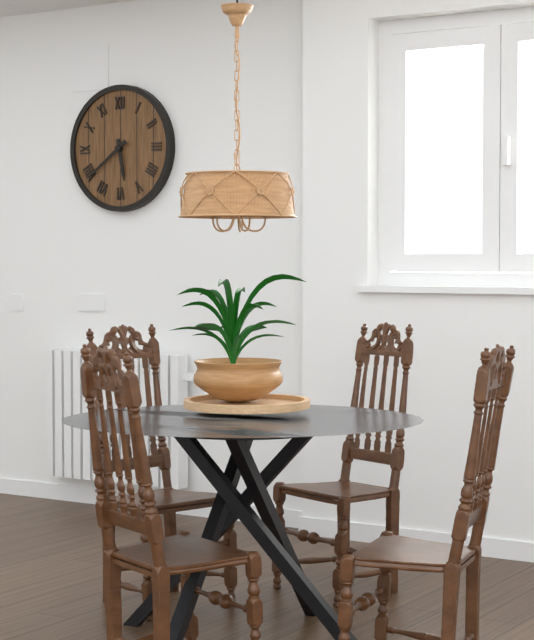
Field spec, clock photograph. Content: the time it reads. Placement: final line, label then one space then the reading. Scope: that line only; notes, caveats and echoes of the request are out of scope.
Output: 5:39
